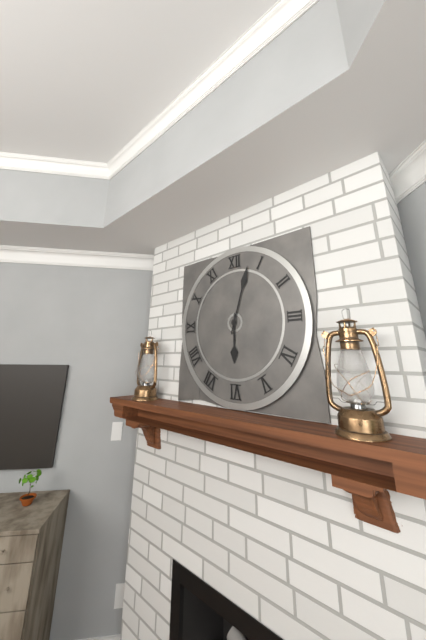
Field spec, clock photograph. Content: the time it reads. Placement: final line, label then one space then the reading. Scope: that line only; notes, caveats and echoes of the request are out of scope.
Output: 6:03
